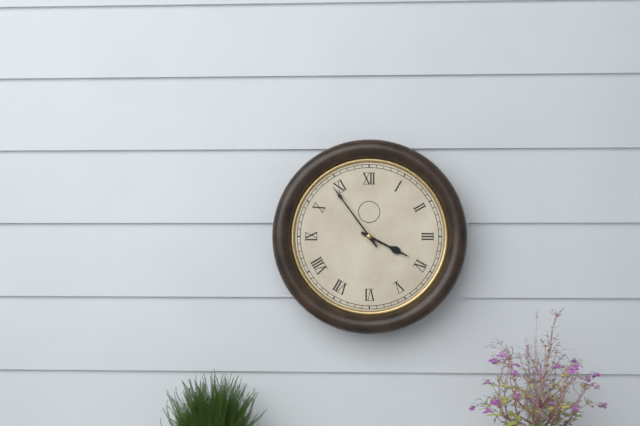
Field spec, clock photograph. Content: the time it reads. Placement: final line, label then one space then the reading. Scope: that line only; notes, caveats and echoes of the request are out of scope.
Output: 3:54
